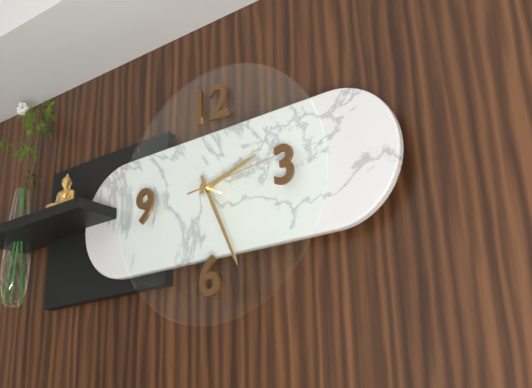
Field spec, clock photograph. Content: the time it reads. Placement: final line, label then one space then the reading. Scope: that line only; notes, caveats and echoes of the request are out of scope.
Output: 2:26:14
